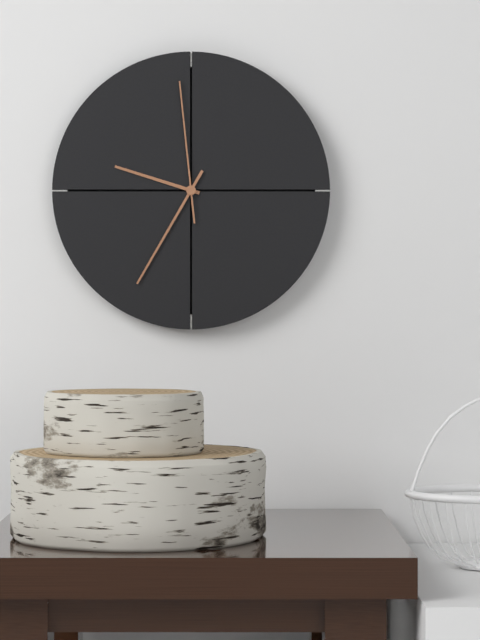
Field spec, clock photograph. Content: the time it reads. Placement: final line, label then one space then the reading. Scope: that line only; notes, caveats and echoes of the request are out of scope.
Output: 9:35:59
